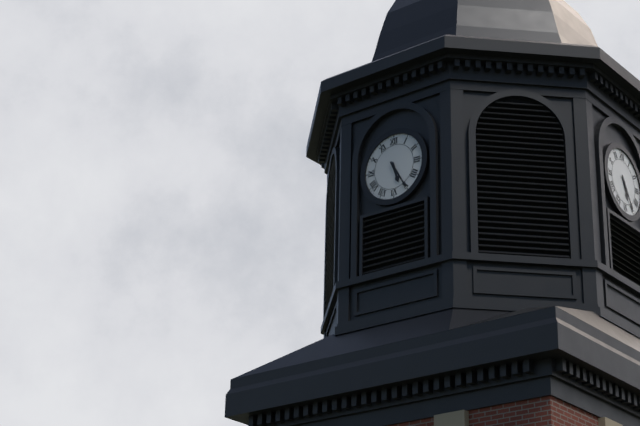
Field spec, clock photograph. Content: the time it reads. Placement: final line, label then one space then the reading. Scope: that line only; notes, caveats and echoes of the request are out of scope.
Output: 5:25
